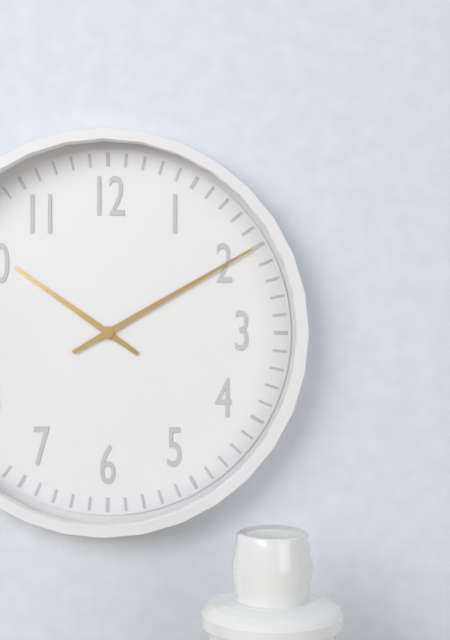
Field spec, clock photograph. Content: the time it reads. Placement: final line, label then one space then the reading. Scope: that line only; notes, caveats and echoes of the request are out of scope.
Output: 10:10
